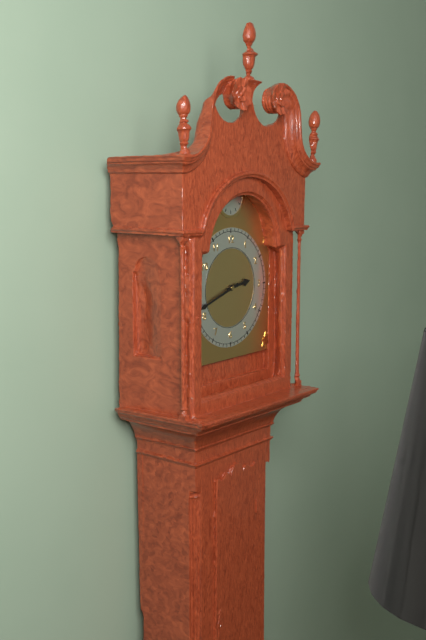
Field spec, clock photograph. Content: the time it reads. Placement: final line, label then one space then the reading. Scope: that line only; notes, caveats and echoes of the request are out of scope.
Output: 2:42
